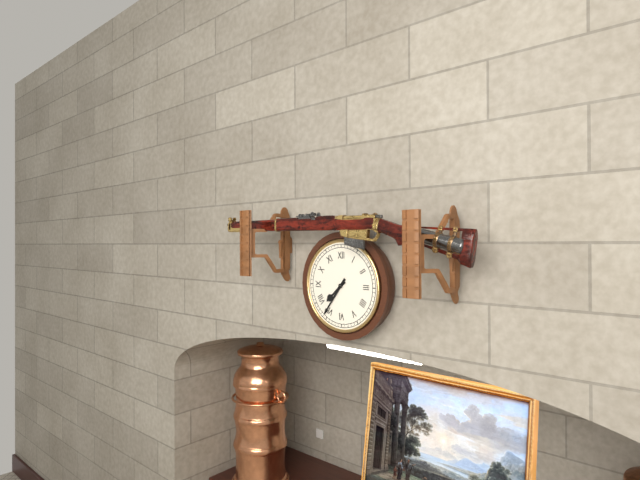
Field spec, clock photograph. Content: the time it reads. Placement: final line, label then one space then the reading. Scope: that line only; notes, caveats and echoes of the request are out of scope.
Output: 7:36
